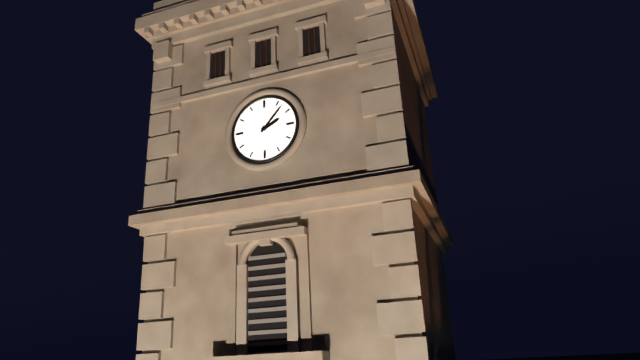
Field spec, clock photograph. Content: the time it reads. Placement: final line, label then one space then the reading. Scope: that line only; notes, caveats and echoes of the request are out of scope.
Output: 2:07
